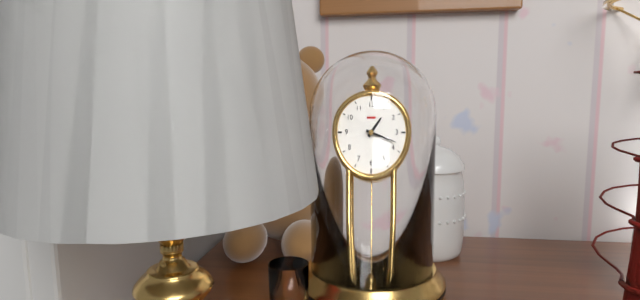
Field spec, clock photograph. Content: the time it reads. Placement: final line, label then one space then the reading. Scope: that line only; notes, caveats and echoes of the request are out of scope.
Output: 1:18
